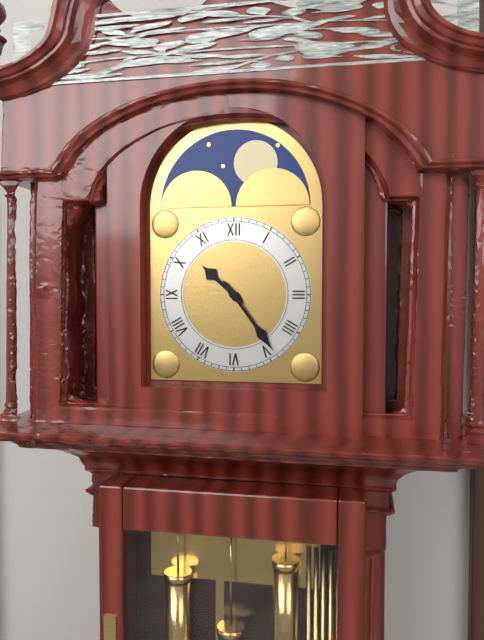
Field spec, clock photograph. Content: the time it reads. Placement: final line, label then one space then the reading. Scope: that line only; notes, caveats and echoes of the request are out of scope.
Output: 10:24
